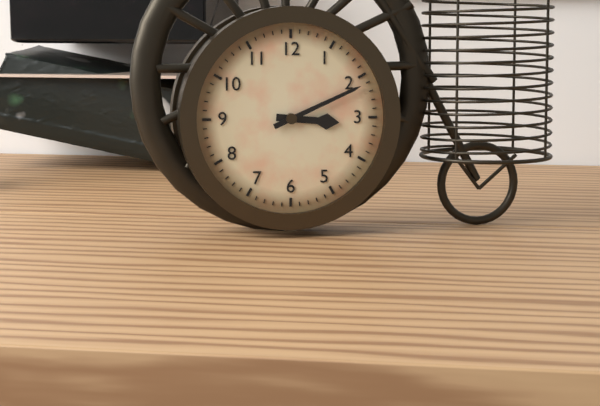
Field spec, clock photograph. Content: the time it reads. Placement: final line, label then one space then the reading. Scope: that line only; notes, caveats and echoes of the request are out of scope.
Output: 3:11
